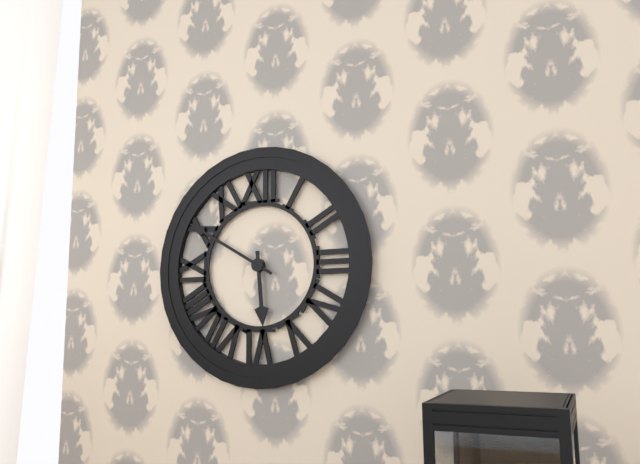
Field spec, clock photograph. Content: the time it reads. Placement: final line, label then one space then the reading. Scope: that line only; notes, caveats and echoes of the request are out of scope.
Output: 5:50
